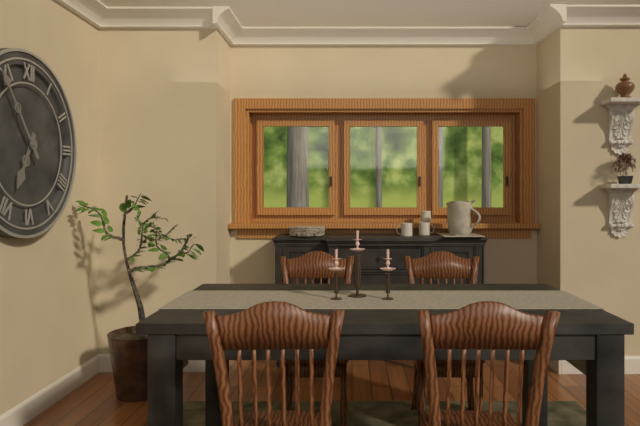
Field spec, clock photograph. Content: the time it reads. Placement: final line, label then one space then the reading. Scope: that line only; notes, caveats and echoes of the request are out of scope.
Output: 6:54
